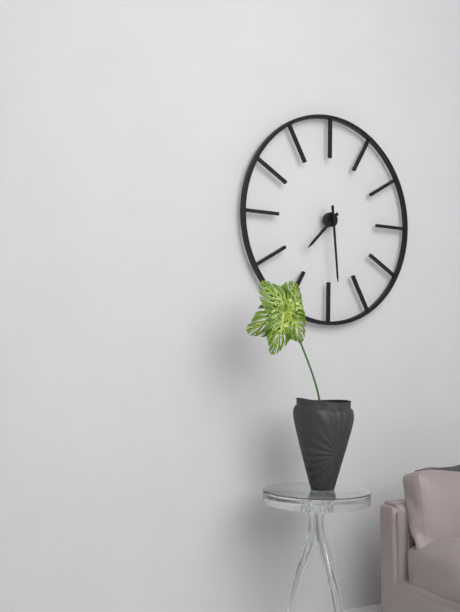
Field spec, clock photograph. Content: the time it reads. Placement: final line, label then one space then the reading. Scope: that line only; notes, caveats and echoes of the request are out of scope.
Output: 7:29
